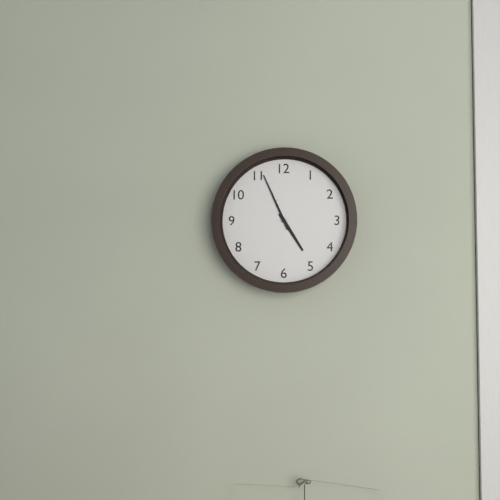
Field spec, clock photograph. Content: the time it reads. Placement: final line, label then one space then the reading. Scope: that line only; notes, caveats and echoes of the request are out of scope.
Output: 4:56
